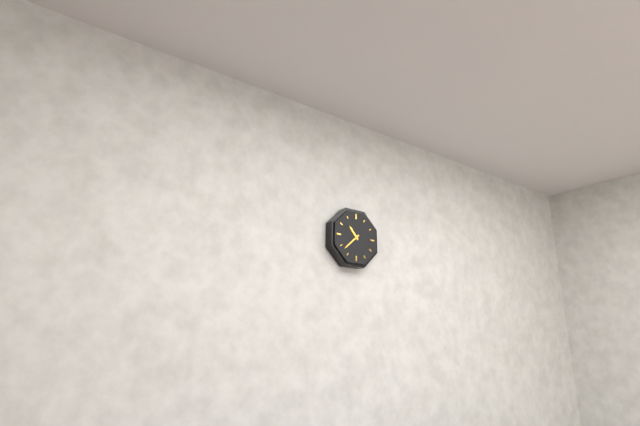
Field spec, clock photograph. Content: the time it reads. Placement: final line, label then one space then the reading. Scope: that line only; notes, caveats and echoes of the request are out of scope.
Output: 10:38
